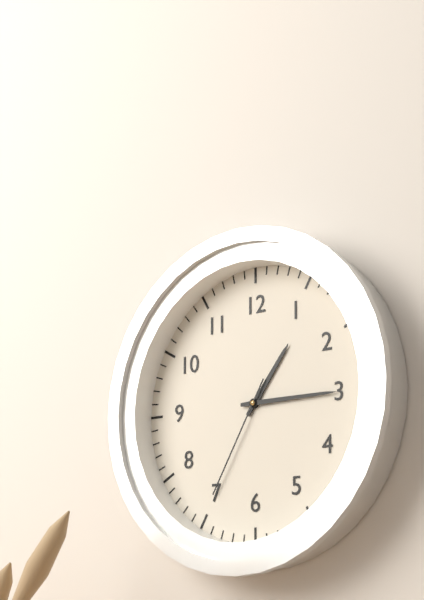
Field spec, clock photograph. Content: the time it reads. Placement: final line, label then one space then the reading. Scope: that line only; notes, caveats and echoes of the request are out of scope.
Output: 1:15:35
